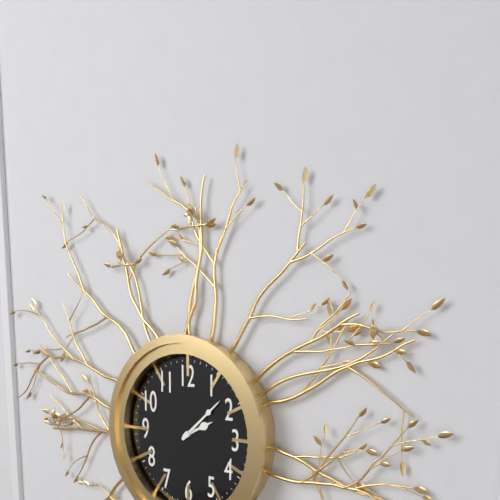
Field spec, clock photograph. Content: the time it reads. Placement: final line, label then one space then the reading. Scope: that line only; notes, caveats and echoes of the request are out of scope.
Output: 2:08
